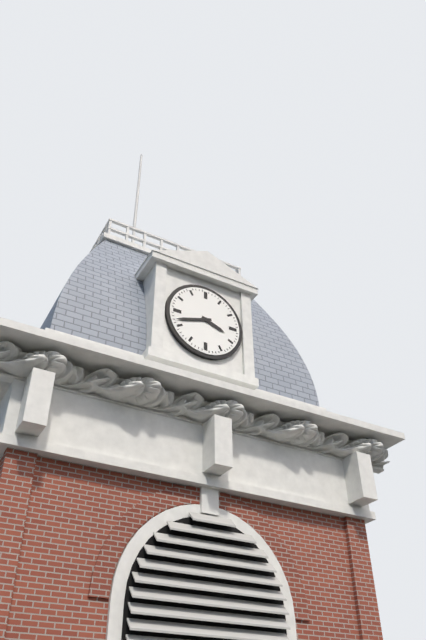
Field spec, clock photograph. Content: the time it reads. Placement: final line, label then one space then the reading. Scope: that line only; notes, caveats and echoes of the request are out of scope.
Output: 3:42
